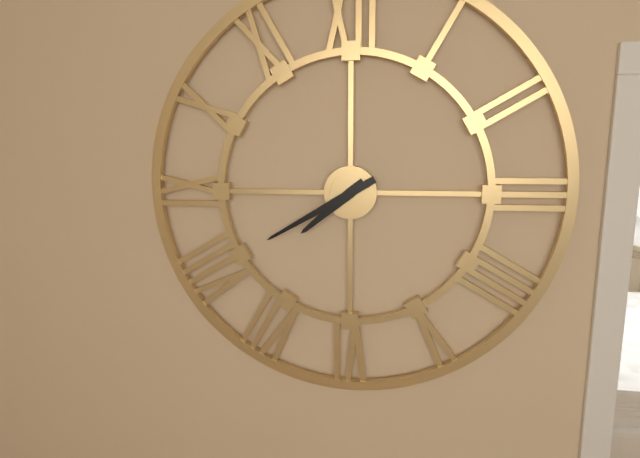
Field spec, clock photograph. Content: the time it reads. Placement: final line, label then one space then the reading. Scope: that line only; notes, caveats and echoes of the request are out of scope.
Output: 7:40
